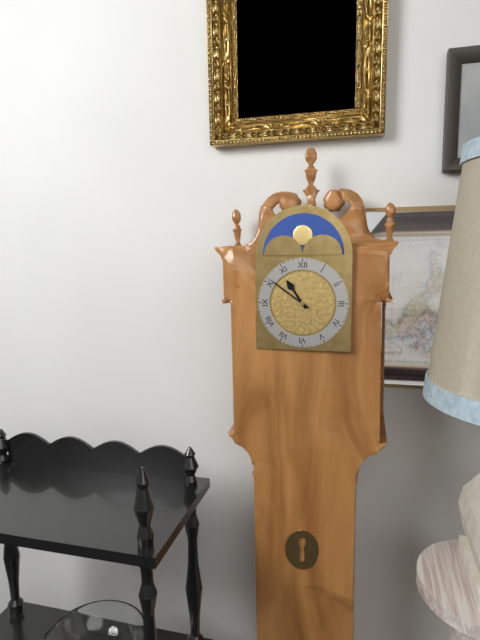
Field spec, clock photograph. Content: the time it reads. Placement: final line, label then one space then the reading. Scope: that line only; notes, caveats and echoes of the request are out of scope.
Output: 10:51
